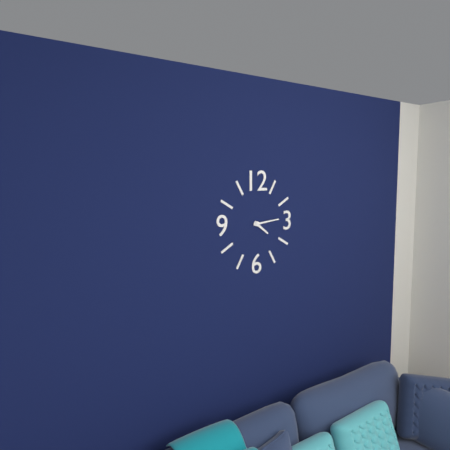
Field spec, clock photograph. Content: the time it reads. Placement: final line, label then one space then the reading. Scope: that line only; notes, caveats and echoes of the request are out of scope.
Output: 4:14
